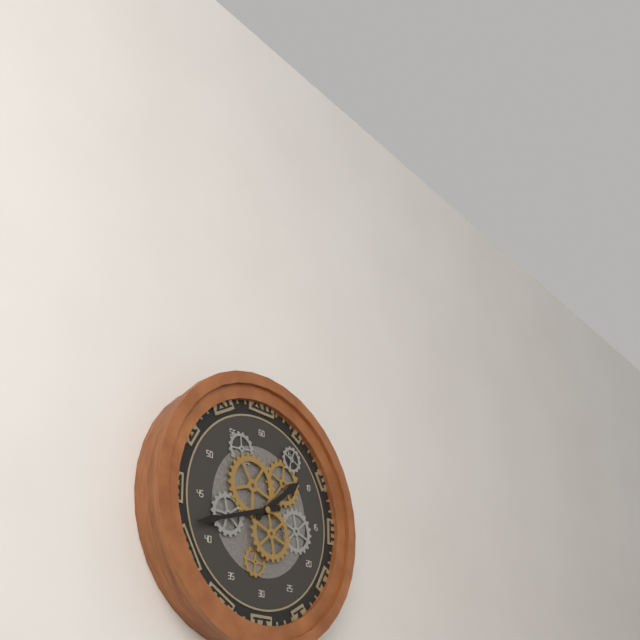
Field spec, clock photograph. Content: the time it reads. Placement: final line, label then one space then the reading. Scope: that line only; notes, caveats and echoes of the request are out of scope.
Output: 1:42
